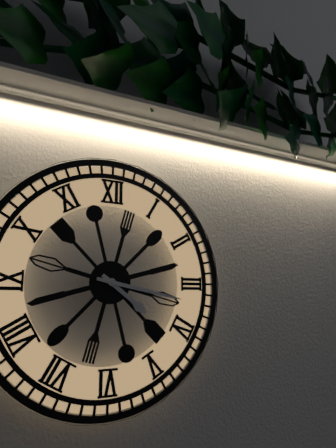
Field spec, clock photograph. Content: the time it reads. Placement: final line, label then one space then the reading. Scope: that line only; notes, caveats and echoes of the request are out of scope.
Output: 4:17
